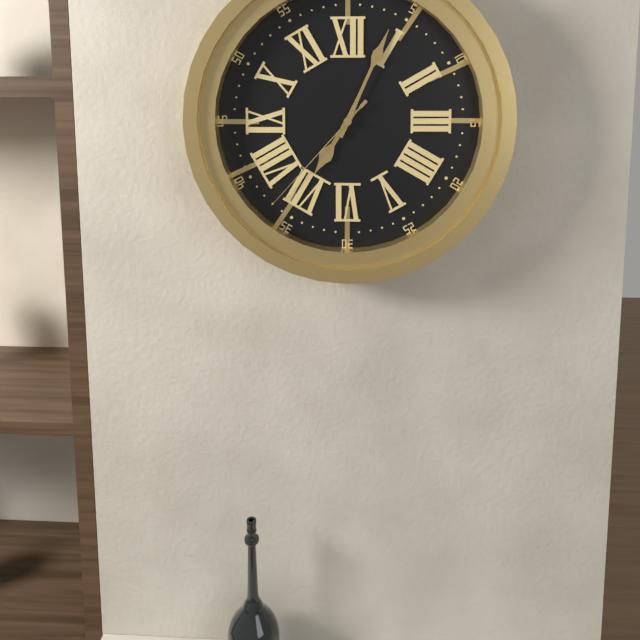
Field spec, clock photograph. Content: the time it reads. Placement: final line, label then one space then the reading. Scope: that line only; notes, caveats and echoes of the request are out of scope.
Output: 7:04:37
